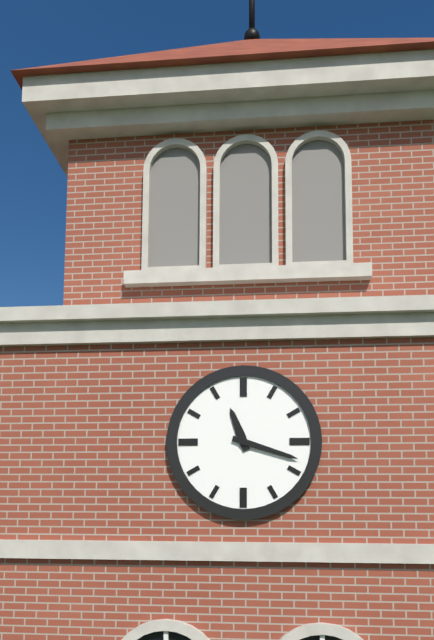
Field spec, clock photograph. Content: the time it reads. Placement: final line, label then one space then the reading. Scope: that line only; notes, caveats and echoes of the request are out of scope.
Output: 11:18
